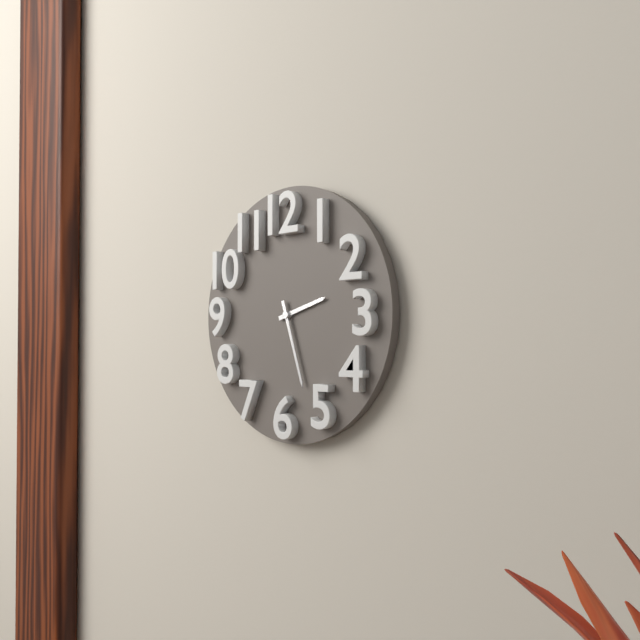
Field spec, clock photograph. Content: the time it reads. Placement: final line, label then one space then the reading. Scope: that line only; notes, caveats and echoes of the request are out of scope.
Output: 2:27
